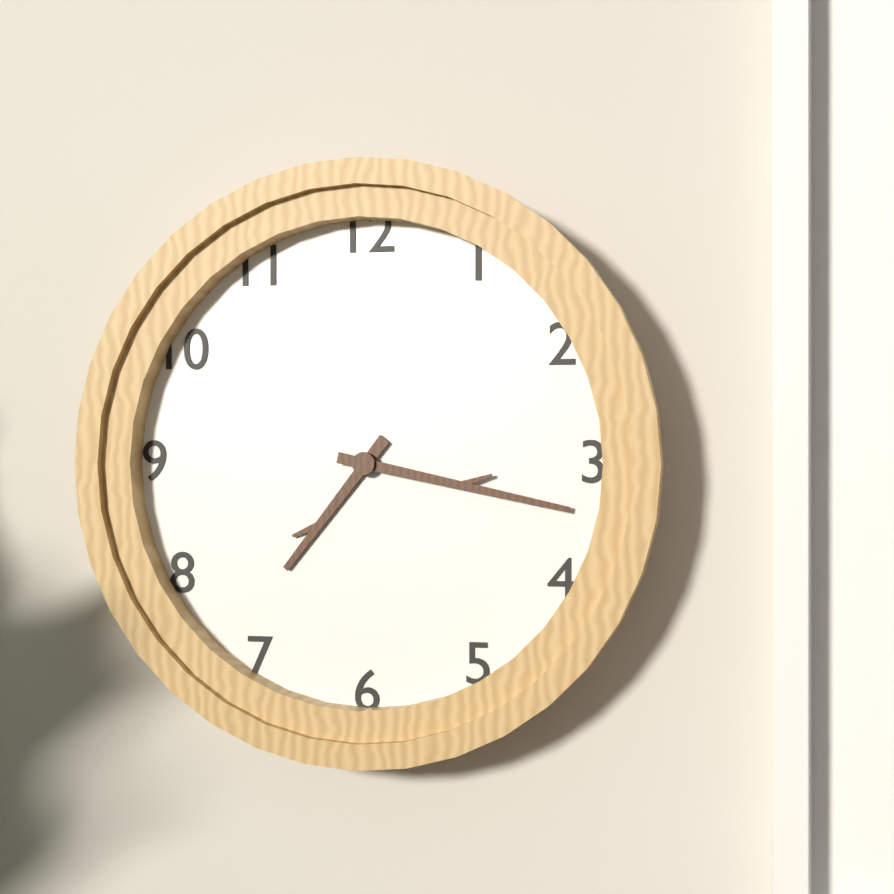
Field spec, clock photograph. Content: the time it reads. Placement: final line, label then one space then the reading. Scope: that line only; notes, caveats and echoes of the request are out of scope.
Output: 7:17
